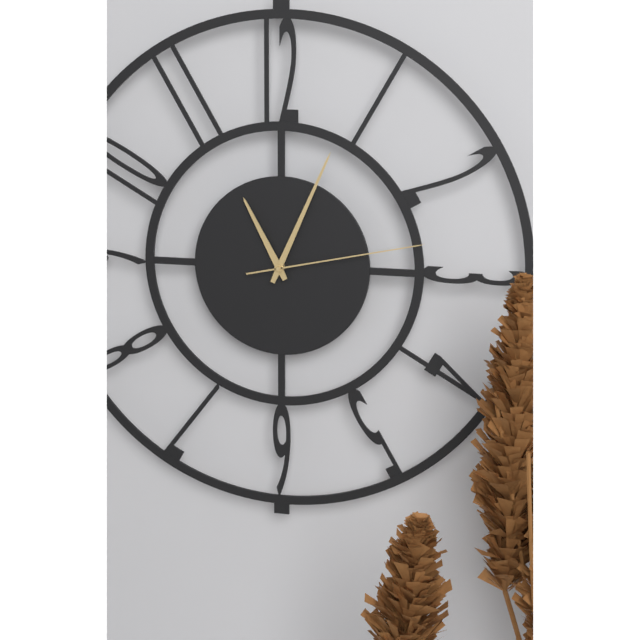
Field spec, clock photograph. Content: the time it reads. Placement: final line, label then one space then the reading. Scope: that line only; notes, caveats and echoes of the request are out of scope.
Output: 11:04:13
